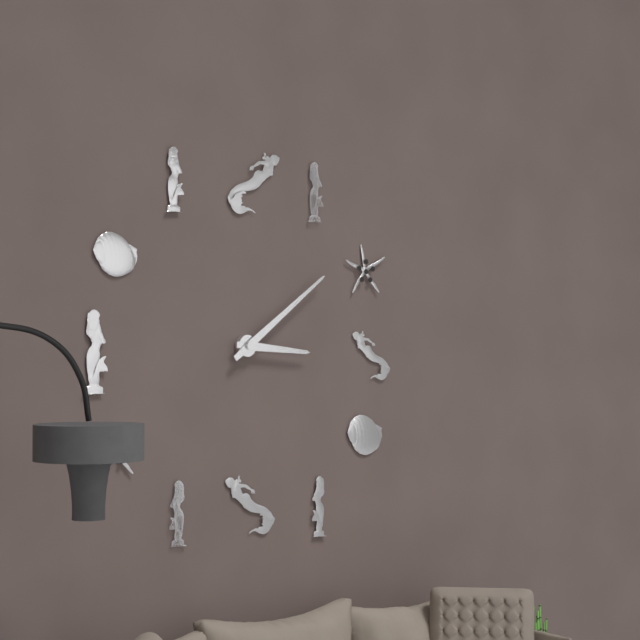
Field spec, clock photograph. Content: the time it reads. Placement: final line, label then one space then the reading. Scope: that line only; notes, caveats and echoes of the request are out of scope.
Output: 3:09
